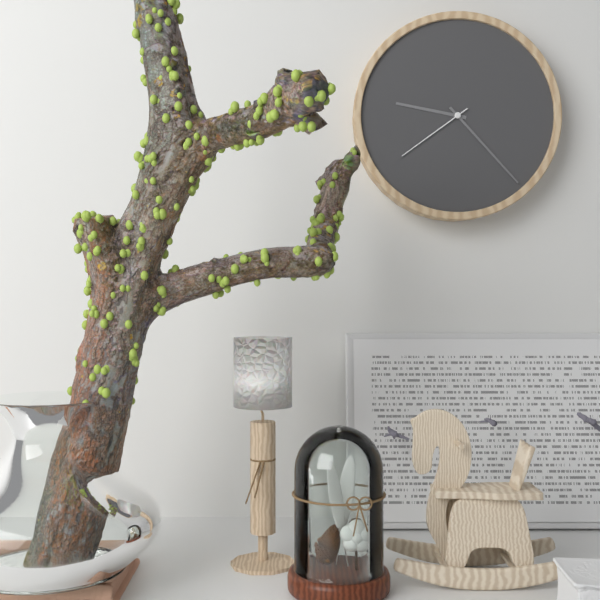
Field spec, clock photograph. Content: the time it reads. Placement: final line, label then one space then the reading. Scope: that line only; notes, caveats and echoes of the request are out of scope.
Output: 9:23:39
